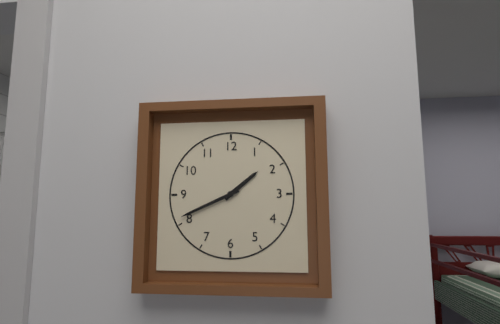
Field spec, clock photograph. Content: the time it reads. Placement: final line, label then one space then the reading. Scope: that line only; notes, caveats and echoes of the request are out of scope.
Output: 1:41
